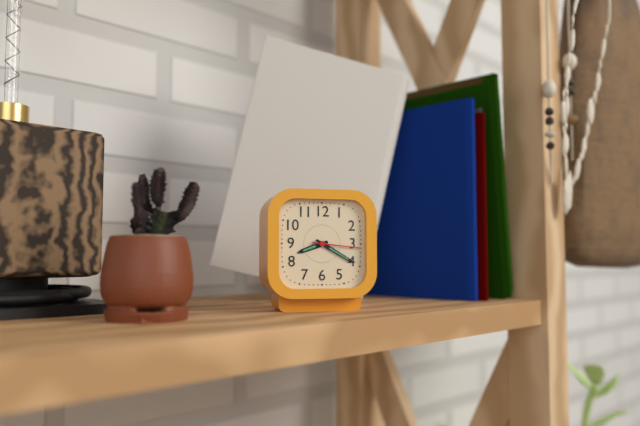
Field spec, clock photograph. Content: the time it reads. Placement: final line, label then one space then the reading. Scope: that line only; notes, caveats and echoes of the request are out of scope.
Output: 8:20:16
